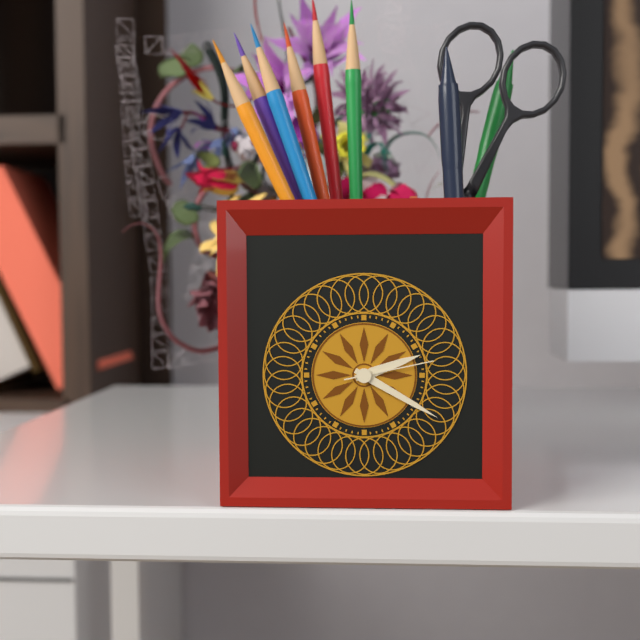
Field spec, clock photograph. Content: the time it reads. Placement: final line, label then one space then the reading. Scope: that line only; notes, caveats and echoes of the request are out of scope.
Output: 2:20:13
